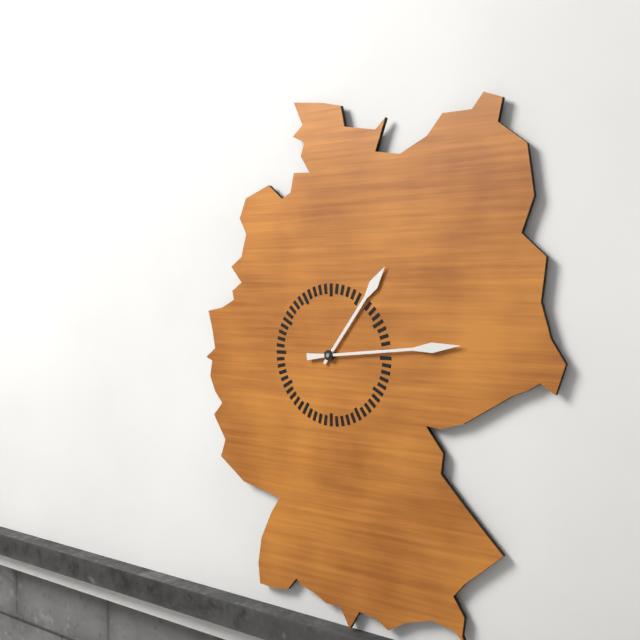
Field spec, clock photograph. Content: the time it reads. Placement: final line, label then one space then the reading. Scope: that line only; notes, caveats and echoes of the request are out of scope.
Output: 1:14
